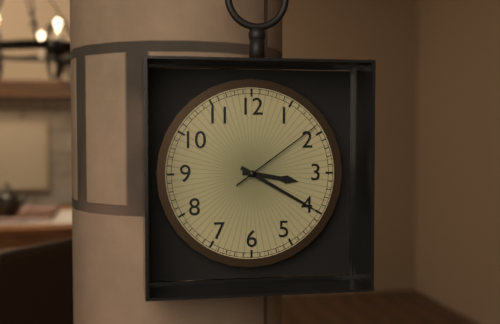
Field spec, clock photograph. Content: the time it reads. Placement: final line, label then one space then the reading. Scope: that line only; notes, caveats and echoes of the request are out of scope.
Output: 3:20:09
